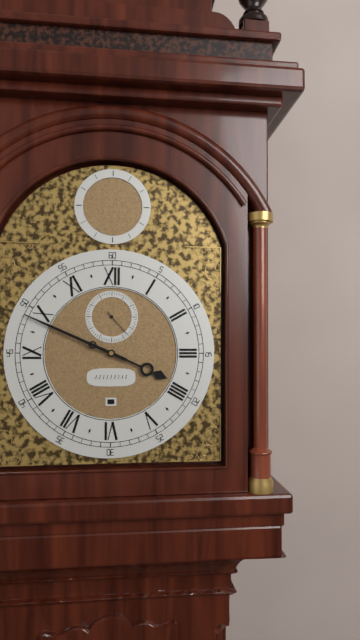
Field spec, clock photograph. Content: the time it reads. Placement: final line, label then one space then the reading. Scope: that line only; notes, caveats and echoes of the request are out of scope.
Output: 3:49
